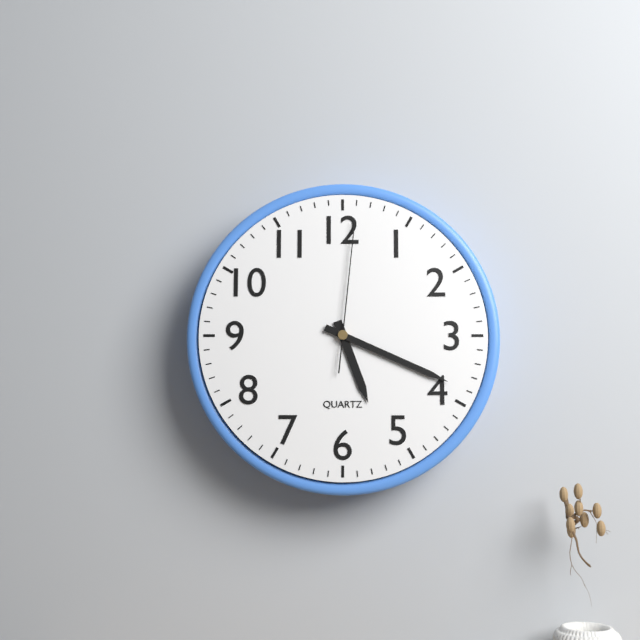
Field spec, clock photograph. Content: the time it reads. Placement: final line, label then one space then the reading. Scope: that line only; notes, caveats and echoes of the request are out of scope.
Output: 5:19:01
